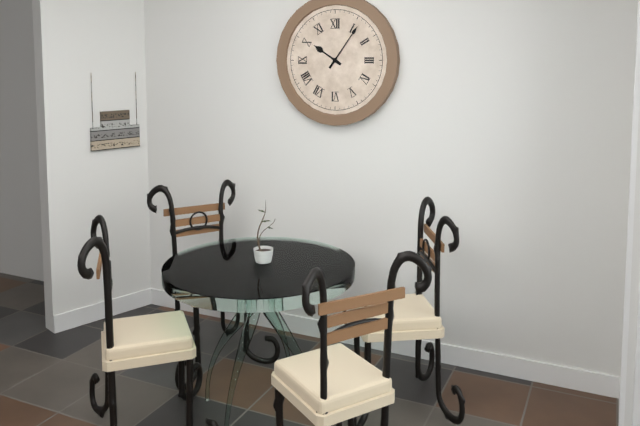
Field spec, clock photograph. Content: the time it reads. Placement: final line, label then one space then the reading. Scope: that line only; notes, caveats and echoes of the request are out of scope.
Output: 10:06
